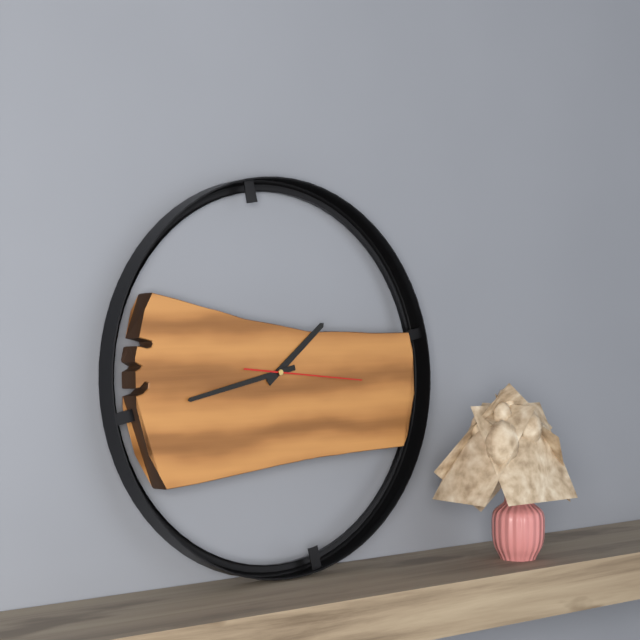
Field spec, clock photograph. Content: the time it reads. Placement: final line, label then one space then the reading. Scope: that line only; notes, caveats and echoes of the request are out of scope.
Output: 1:43:16
